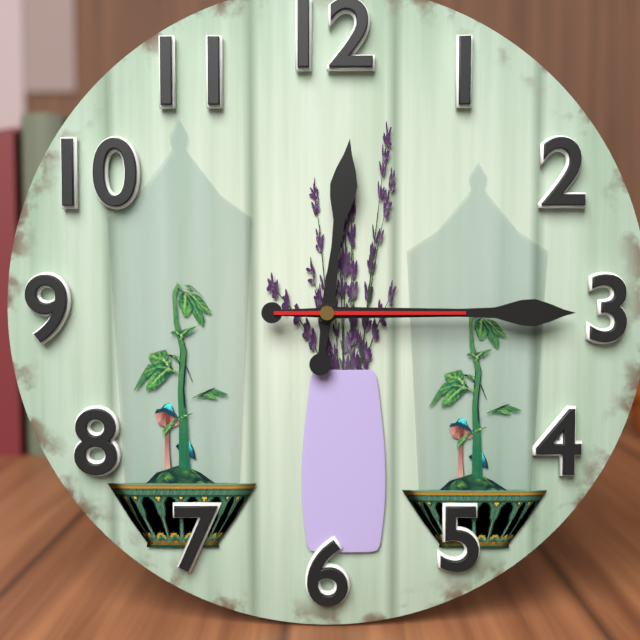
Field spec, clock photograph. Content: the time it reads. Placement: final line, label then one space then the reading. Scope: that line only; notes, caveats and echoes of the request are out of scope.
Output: 12:15:15
